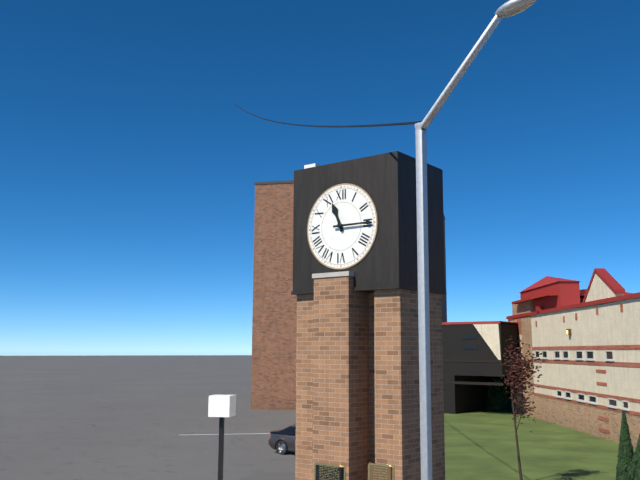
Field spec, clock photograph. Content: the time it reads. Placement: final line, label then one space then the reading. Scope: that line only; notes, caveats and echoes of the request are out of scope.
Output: 11:15
